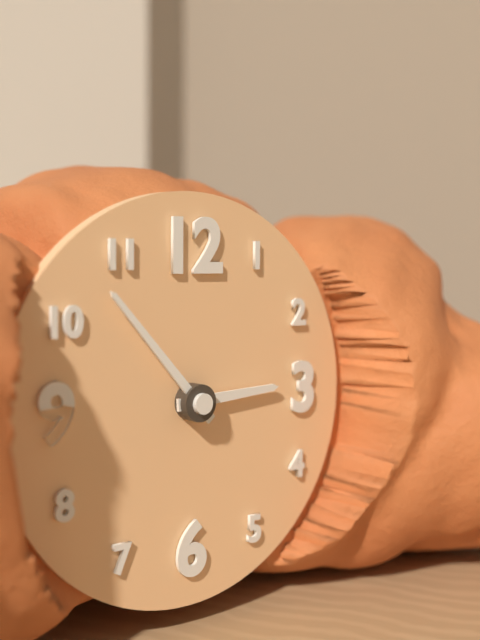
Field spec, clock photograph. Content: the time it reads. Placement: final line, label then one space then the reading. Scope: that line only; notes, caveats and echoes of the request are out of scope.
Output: 2:53
